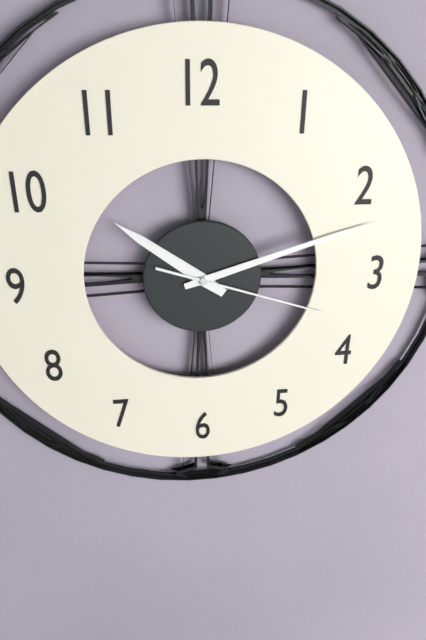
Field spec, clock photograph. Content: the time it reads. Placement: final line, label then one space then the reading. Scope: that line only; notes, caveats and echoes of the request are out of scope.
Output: 10:12:18
